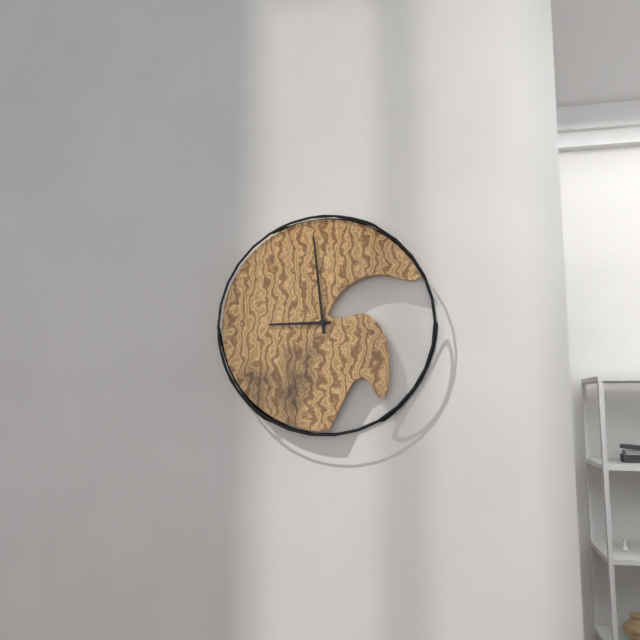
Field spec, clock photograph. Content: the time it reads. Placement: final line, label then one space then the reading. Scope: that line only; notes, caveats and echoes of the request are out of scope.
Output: 8:59
